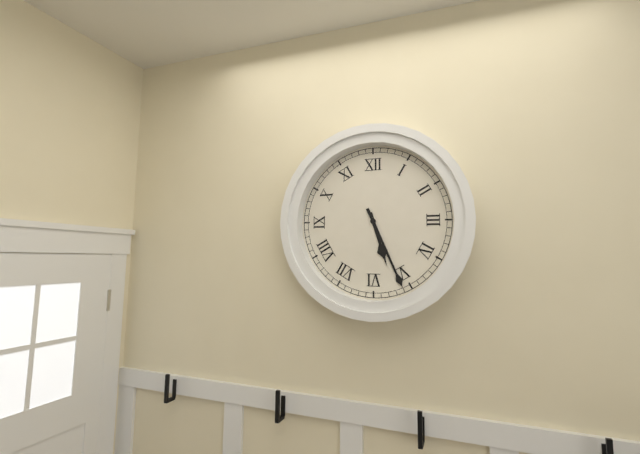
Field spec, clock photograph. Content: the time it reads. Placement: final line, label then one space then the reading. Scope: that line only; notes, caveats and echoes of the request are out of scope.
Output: 5:26
